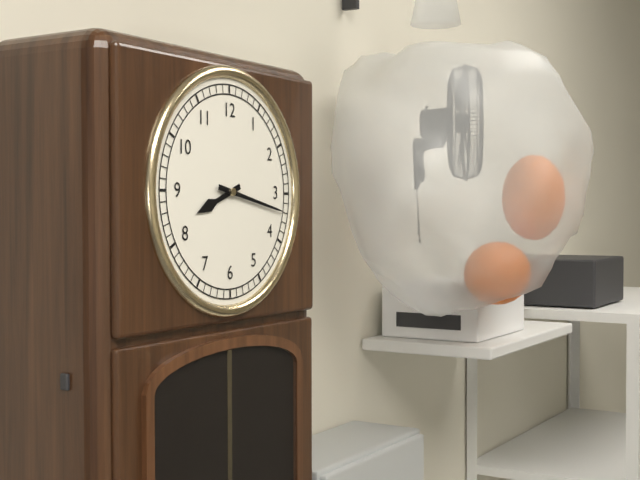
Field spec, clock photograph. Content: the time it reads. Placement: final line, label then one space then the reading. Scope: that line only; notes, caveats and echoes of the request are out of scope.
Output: 8:17
